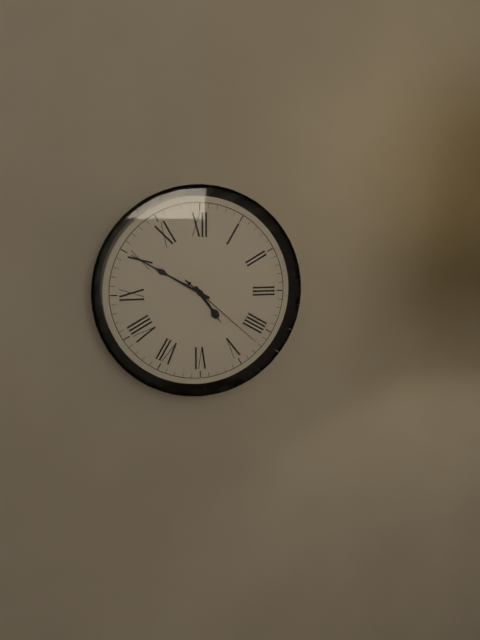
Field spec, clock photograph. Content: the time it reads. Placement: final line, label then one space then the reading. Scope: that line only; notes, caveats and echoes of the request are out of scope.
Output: 4:50:22
